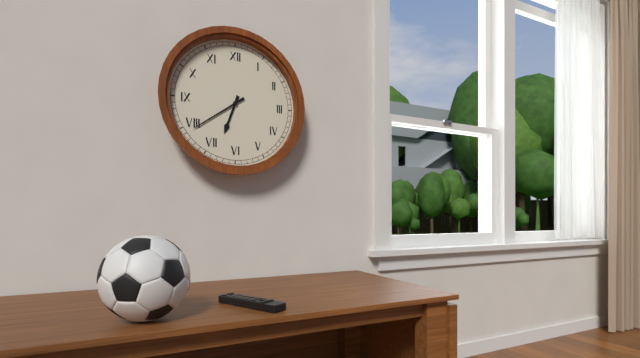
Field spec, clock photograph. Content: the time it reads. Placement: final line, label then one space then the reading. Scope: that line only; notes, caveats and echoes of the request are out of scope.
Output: 6:39
